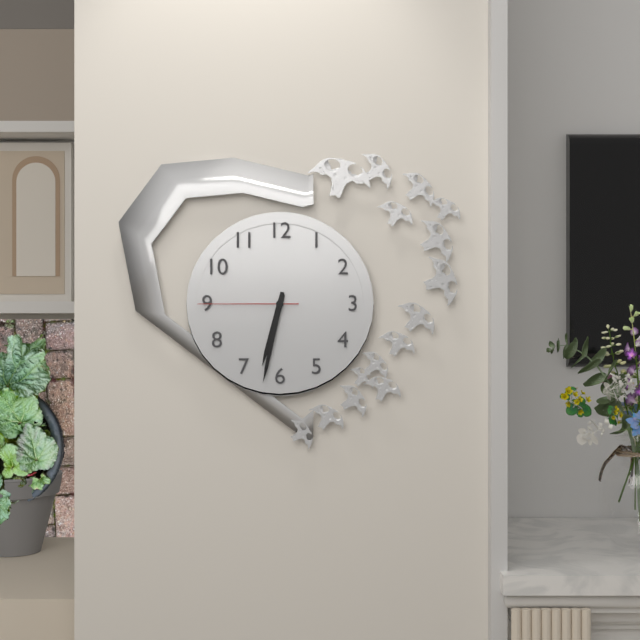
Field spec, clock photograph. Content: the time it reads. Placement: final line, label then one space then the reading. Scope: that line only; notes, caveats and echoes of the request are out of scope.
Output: 6:32:45
